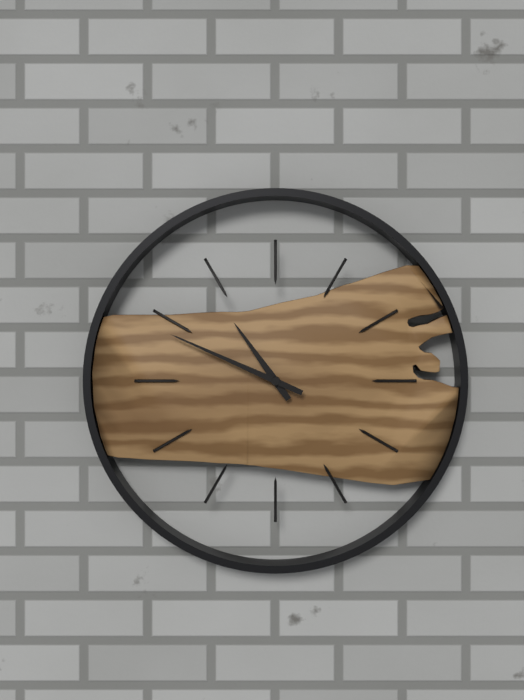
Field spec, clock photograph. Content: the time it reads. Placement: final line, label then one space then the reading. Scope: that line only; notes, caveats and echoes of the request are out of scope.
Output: 10:49
